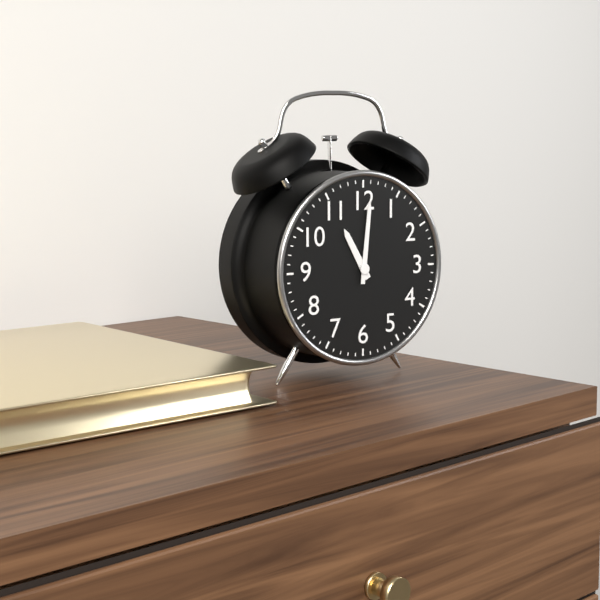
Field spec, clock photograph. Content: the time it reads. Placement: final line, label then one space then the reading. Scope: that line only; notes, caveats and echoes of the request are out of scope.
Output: 11:01
